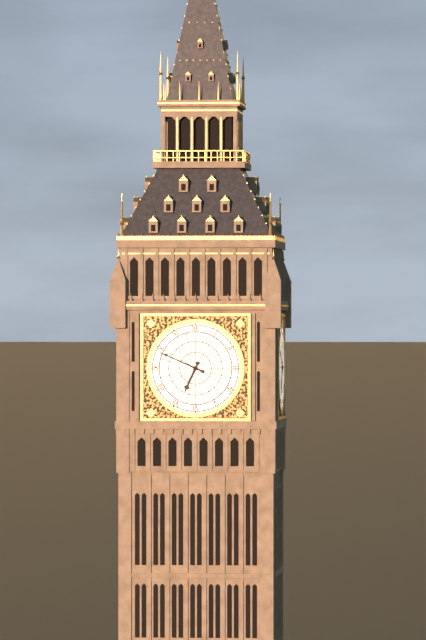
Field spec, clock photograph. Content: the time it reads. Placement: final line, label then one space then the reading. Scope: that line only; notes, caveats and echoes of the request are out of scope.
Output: 6:49
